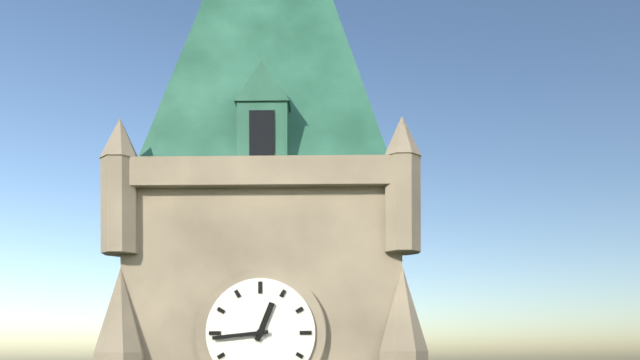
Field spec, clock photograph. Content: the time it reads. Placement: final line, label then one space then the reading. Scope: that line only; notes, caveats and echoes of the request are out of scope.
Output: 12:44
